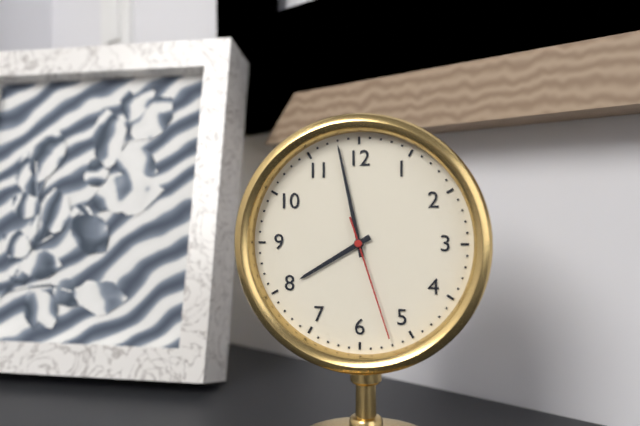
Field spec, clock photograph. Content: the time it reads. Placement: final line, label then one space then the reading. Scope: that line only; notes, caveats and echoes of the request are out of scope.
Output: 7:58:27
